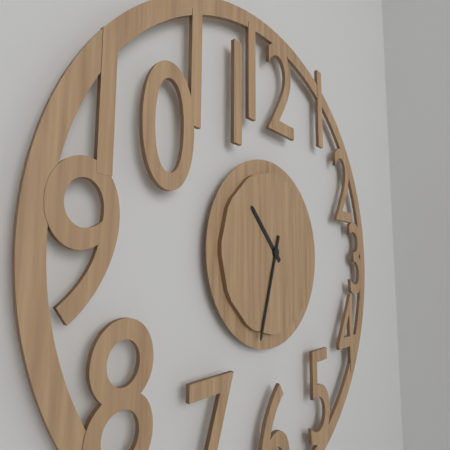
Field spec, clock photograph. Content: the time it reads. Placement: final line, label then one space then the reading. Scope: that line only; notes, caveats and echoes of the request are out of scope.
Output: 10:33
